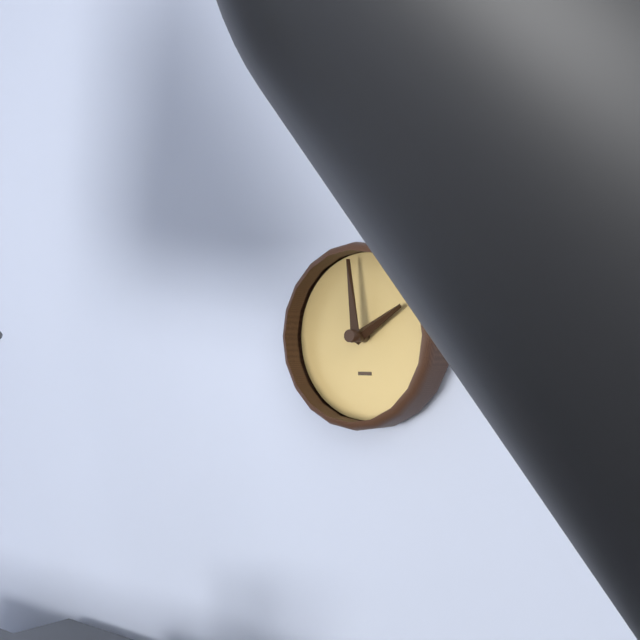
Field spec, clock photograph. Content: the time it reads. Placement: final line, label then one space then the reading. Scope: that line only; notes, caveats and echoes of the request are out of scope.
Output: 1:59
